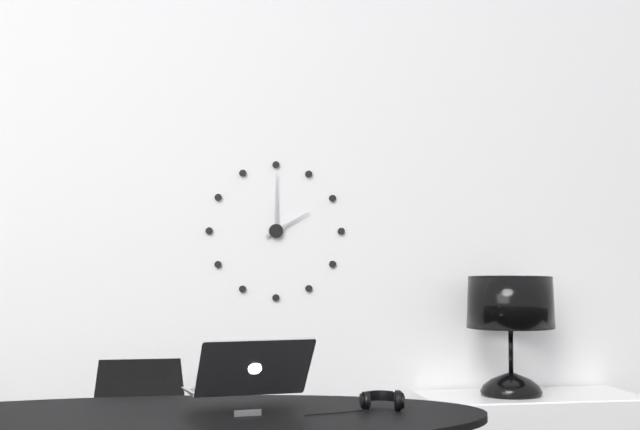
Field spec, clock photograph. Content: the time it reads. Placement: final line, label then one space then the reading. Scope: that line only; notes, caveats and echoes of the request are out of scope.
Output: 2:00
